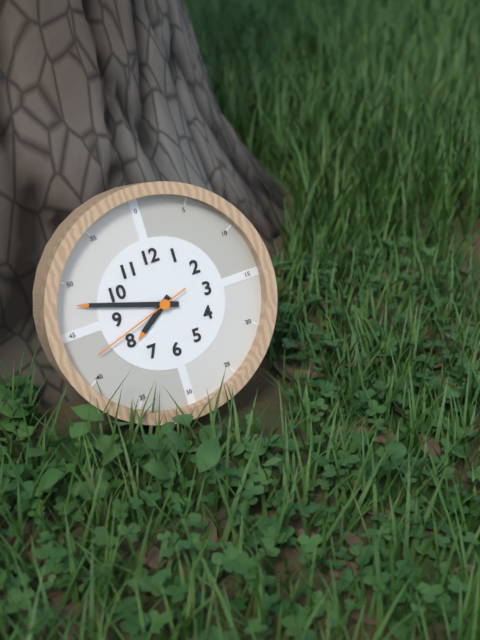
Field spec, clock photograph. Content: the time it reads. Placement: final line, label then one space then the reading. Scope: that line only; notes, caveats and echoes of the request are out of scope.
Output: 7:48:42
